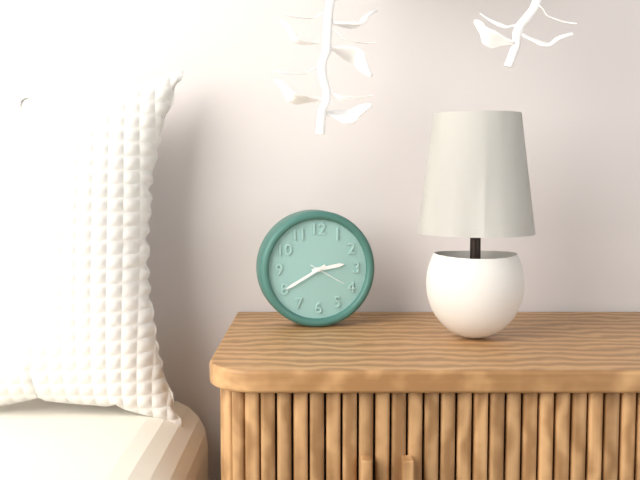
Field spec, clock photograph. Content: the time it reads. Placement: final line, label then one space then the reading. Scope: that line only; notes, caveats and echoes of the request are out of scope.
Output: 2:40
